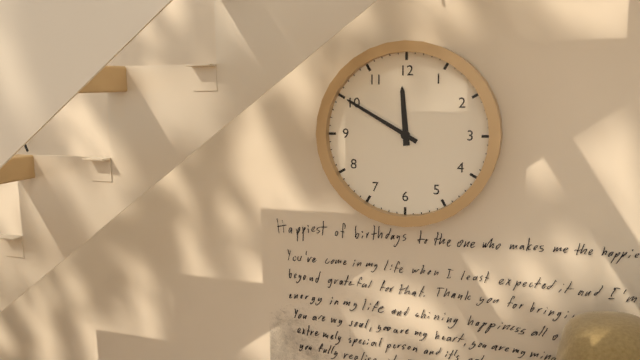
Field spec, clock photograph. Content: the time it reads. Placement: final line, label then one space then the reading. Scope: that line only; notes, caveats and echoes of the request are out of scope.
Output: 11:50
